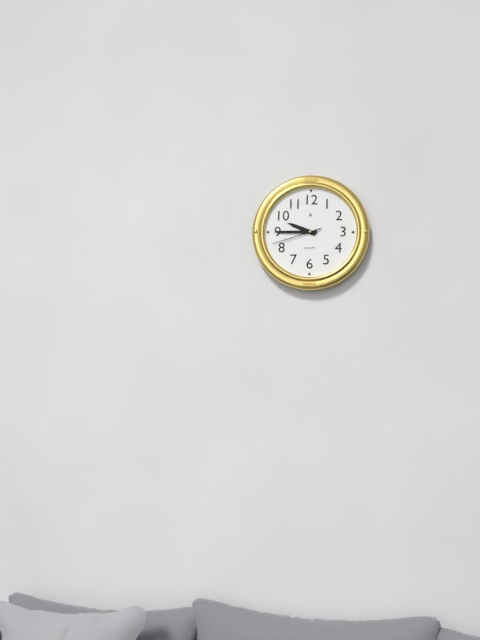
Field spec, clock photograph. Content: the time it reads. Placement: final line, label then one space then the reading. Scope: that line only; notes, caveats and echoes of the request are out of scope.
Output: 9:45
